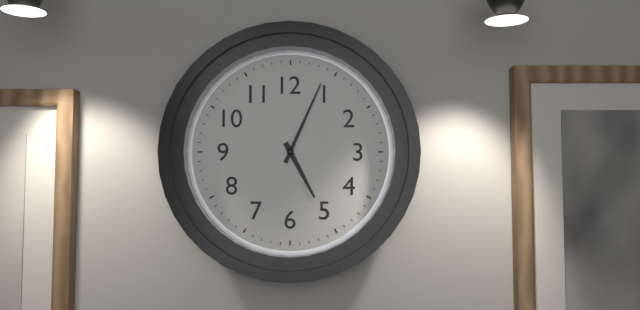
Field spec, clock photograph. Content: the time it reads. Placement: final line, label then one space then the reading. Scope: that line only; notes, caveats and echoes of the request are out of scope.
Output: 5:04
